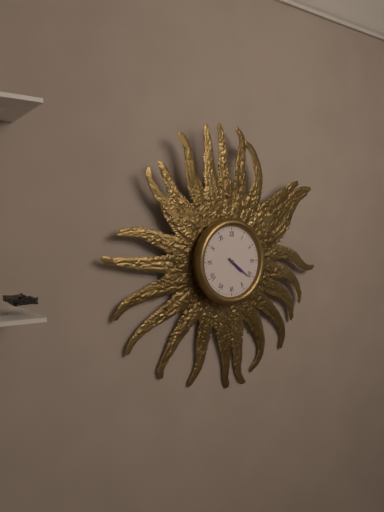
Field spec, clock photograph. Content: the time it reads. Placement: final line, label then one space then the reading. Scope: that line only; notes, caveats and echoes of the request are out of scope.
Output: 4:21
